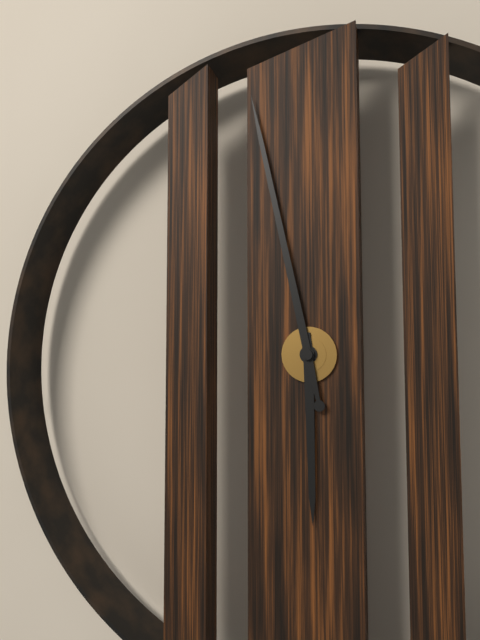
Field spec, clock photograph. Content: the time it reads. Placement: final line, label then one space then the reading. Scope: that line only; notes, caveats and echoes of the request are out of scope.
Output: 5:58
